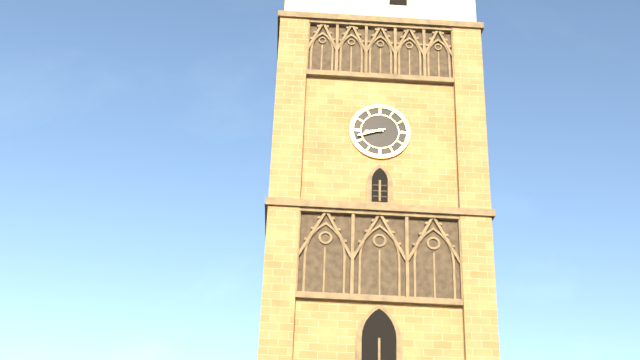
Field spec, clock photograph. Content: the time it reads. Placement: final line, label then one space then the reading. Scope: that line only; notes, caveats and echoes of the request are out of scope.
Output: 8:42
